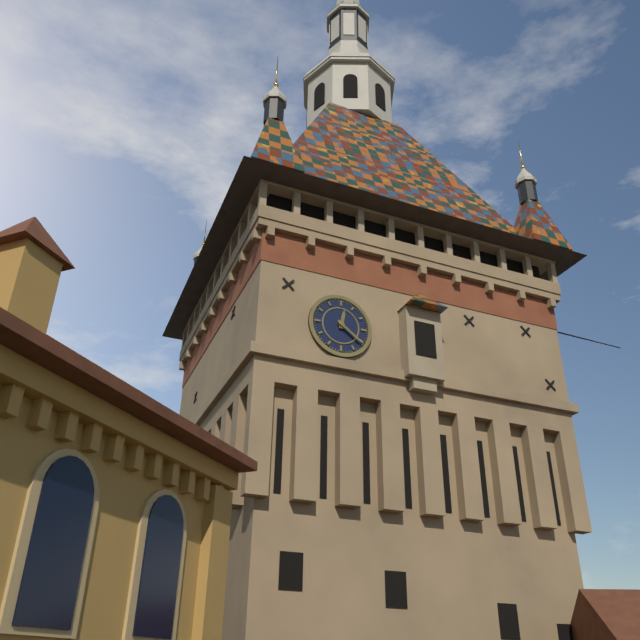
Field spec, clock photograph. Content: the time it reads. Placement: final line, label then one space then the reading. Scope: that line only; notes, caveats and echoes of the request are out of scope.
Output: 12:21
